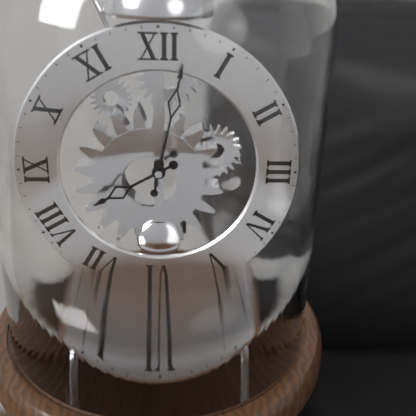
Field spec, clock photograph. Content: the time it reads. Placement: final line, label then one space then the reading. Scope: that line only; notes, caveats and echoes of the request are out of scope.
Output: 8:02
